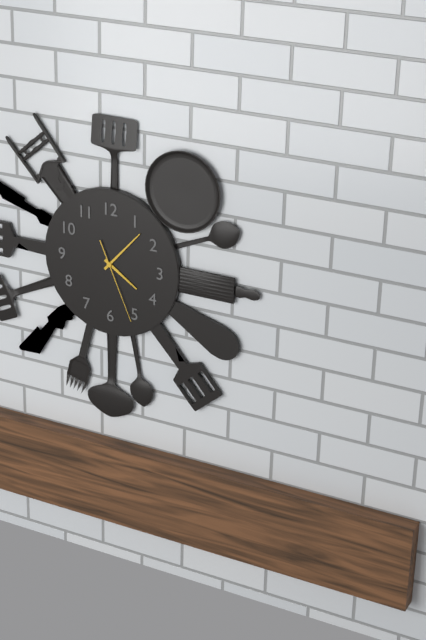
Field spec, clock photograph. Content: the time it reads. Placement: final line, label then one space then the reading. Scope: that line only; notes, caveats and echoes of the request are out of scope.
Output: 4:07:26
